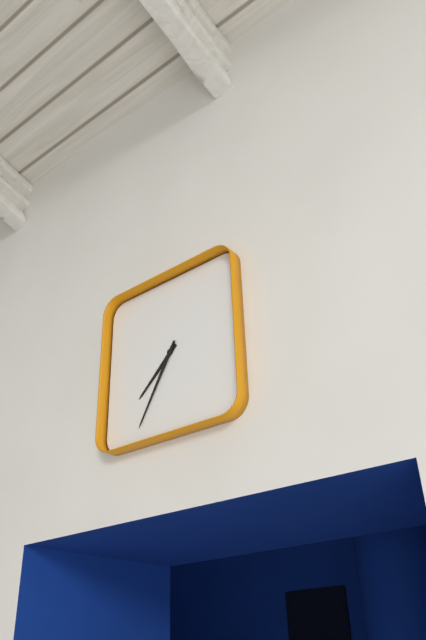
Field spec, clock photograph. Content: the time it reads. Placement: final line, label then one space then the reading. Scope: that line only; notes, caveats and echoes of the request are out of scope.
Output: 7:35
